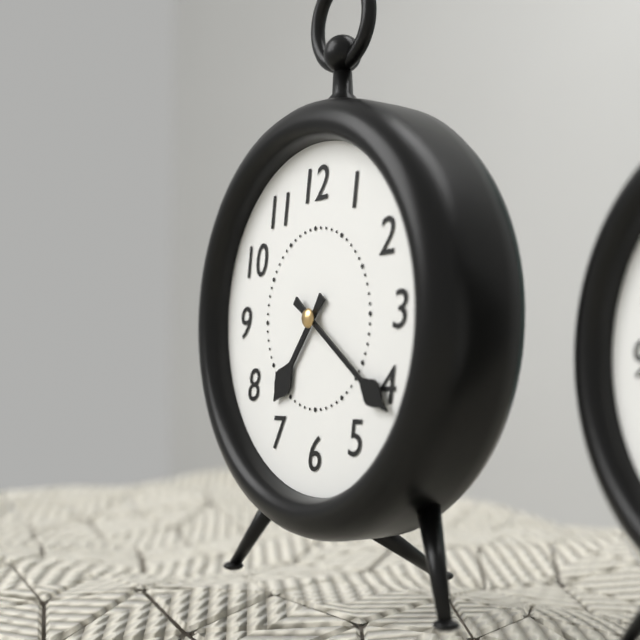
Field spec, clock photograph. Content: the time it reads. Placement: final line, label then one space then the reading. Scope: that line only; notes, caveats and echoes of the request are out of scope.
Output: 7:21
